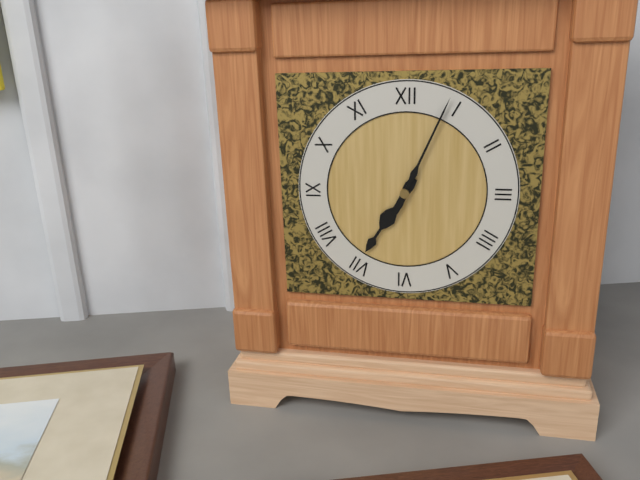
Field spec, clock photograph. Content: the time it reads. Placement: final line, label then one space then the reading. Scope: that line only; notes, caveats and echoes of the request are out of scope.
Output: 7:04
